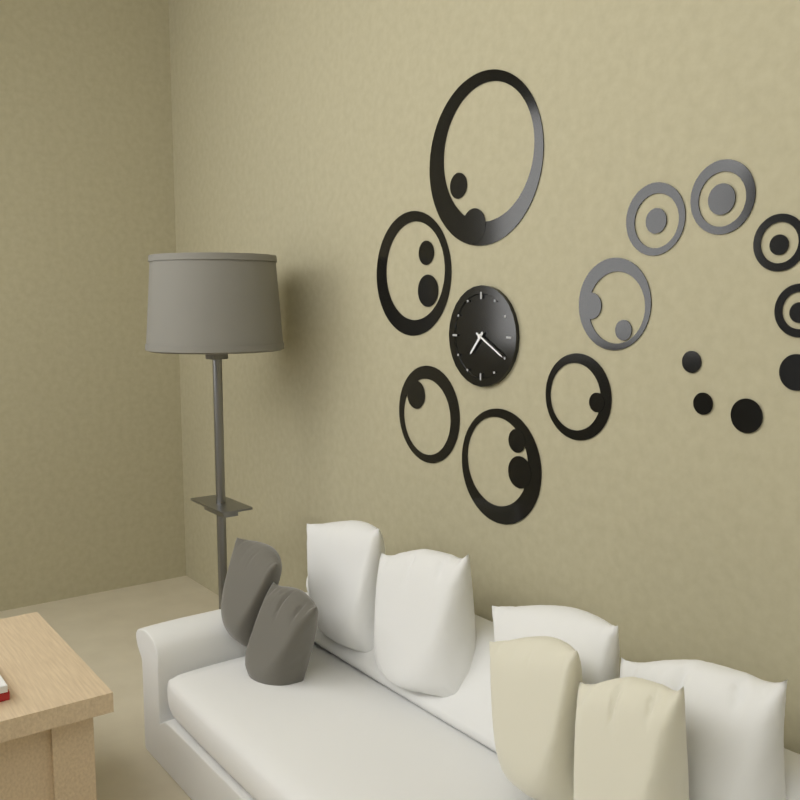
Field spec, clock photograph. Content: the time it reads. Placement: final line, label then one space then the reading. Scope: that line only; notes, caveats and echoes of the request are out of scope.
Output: 7:20
